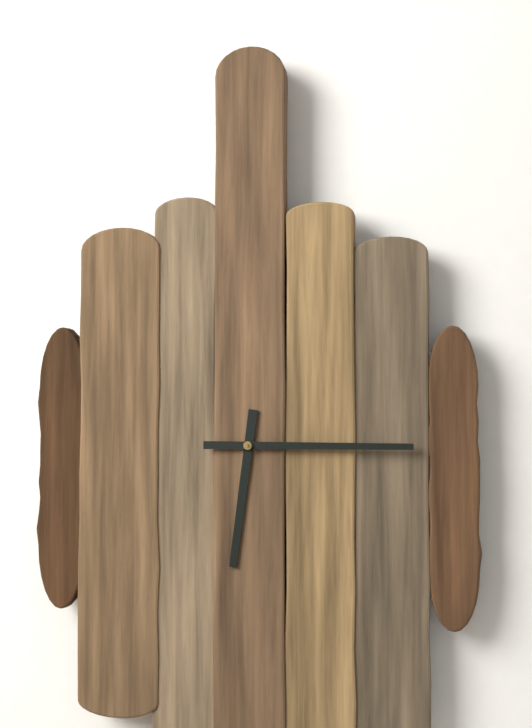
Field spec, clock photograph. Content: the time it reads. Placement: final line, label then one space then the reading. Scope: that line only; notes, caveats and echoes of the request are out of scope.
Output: 6:15
